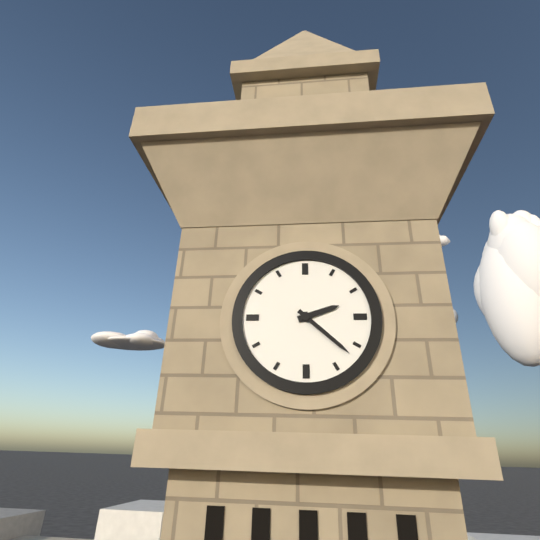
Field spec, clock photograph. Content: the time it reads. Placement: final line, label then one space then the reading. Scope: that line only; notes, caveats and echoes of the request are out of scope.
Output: 2:22
